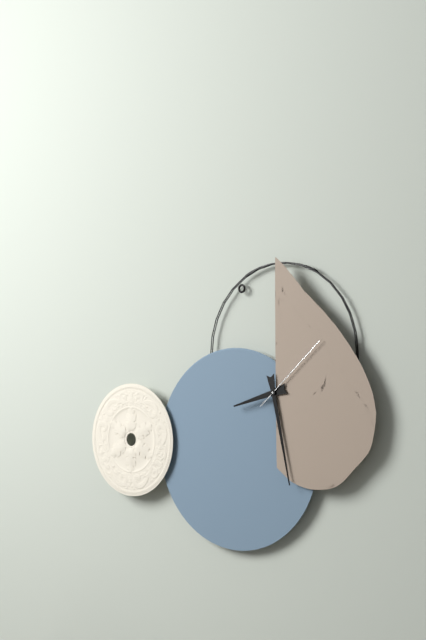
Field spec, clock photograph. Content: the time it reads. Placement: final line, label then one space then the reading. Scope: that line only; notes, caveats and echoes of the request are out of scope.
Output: 8:28:08
